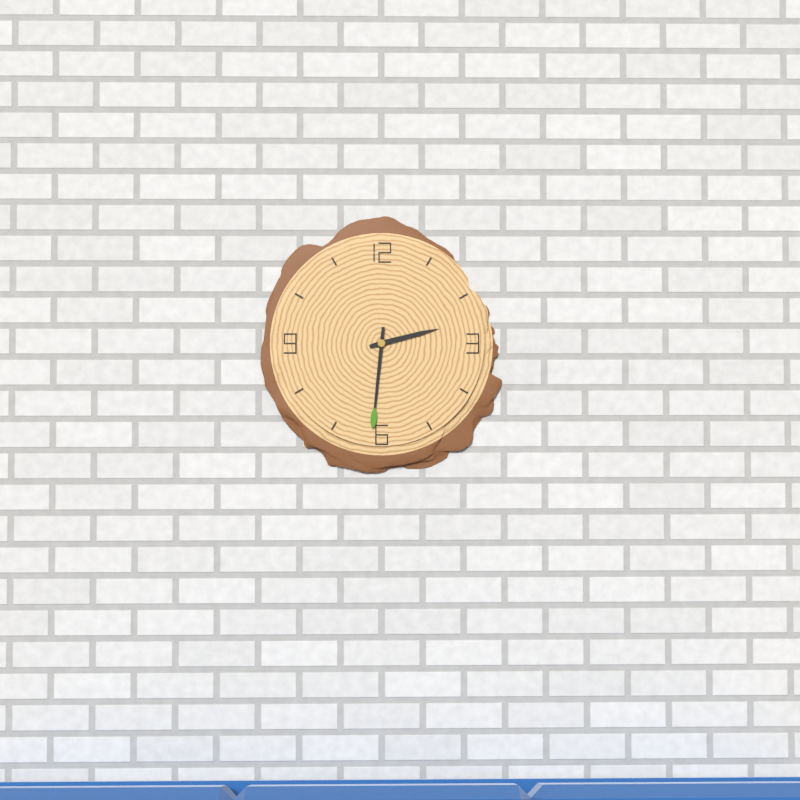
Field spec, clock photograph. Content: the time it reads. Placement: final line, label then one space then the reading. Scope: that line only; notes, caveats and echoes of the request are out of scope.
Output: 2:31
